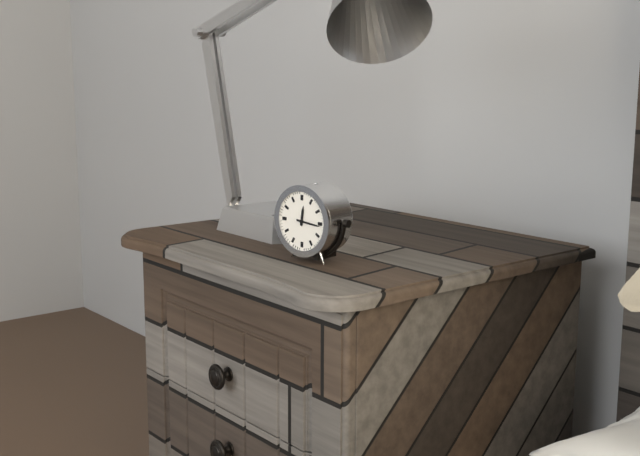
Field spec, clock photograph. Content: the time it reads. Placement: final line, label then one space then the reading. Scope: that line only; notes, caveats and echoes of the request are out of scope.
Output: 12:16
